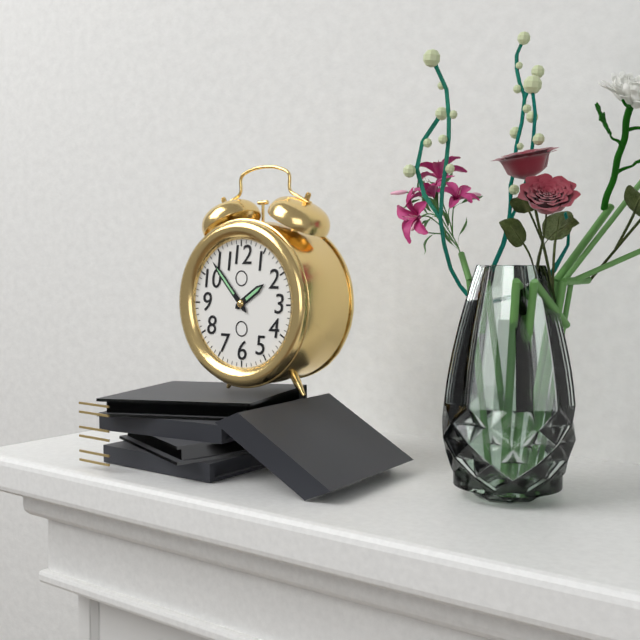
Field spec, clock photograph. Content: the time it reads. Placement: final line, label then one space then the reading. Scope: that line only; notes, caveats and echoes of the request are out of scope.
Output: 1:53
